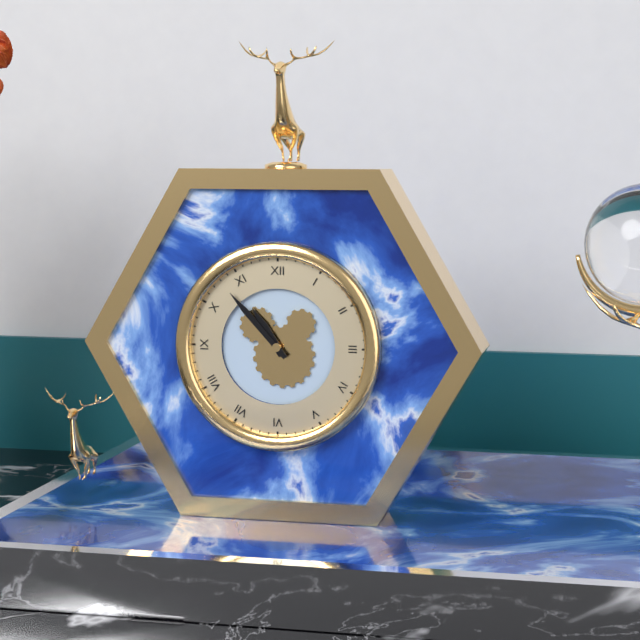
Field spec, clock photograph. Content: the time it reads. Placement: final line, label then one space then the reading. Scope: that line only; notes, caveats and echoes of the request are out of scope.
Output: 10:53
